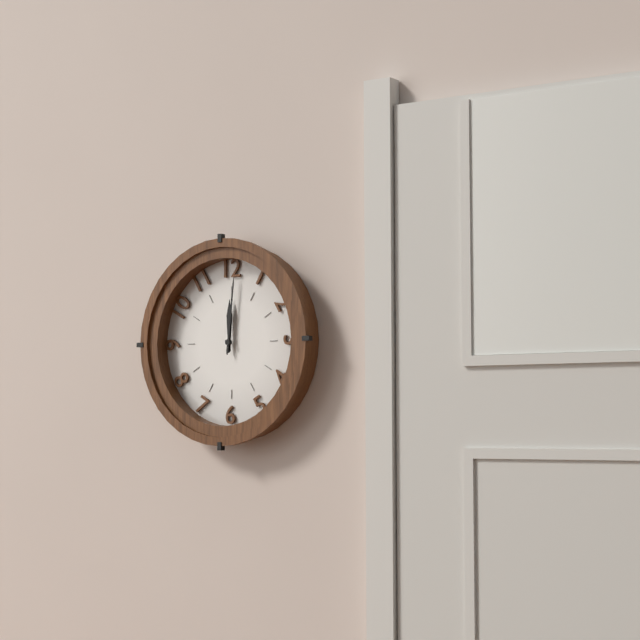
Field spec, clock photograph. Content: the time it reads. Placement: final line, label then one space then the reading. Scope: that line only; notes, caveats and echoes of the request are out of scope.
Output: 12:01
